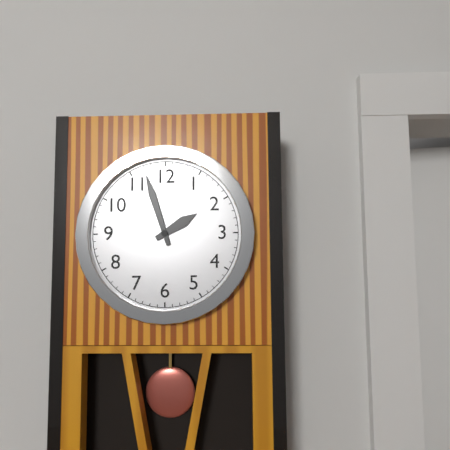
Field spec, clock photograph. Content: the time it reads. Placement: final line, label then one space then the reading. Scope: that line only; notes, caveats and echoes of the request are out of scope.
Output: 1:57
